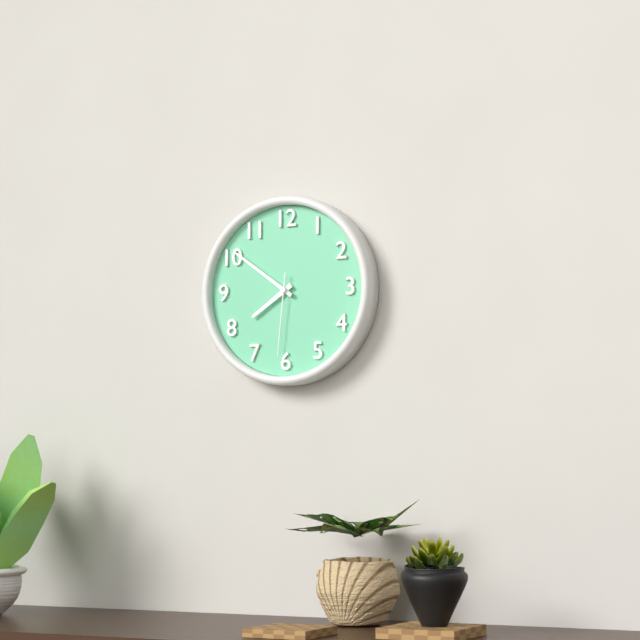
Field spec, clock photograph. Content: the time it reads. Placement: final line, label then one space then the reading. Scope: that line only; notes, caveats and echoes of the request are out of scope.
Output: 7:51:31
